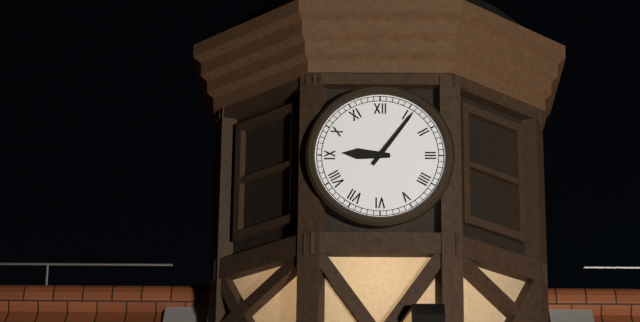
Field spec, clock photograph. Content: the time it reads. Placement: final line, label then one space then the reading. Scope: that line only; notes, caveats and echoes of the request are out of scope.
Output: 9:06
